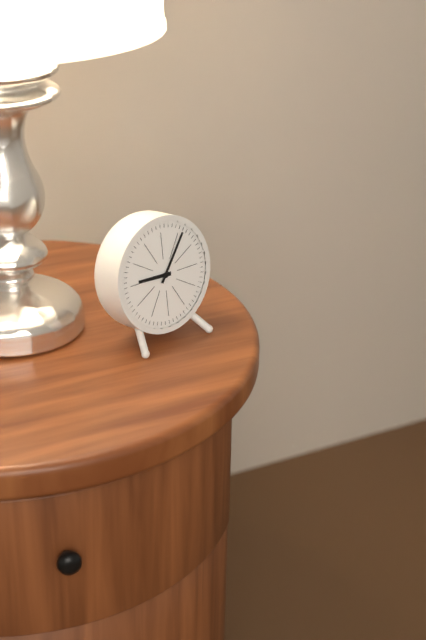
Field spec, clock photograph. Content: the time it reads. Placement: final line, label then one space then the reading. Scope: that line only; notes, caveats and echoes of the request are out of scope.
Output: 9:06
